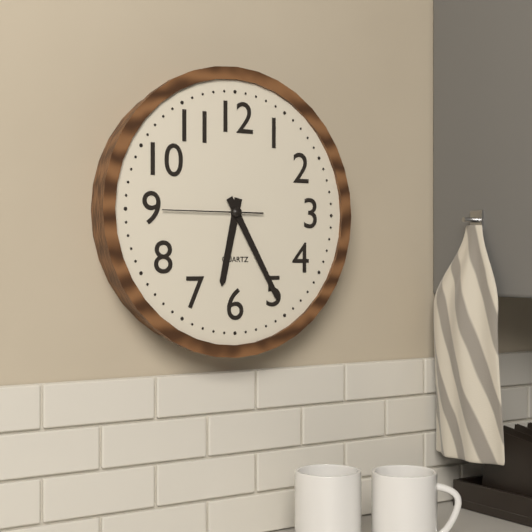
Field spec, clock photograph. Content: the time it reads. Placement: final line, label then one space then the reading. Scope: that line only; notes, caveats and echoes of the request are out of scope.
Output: 6:25:45
